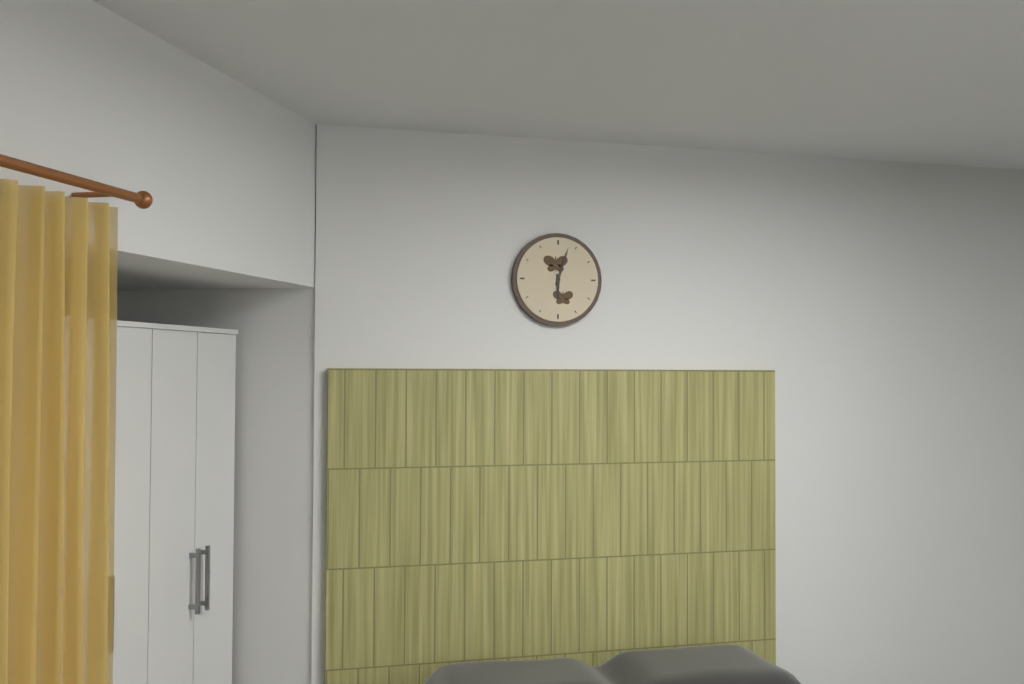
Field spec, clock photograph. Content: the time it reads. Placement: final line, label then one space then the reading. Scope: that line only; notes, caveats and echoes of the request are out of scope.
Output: 6:03
